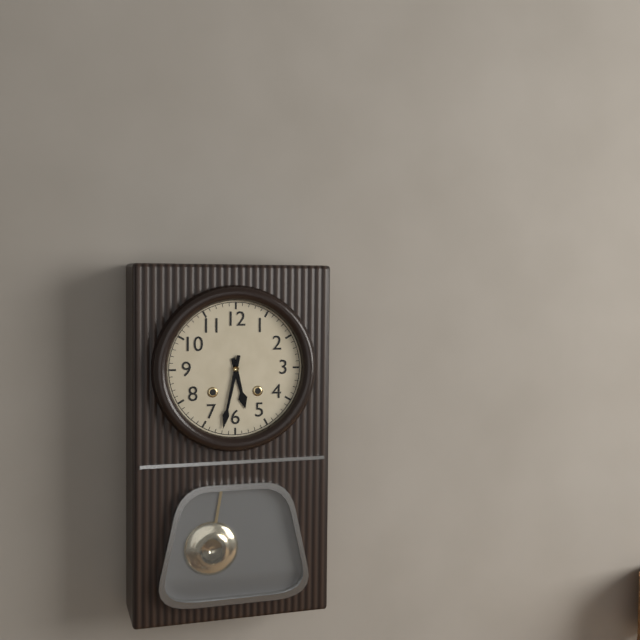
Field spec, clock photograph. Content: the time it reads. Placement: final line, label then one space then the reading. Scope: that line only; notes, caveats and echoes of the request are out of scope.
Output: 5:32
